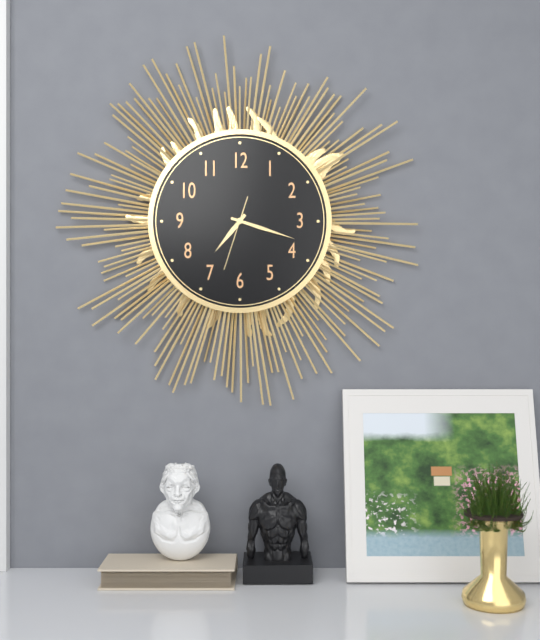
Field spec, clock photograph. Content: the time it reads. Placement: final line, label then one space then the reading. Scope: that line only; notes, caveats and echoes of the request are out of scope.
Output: 7:18:33
